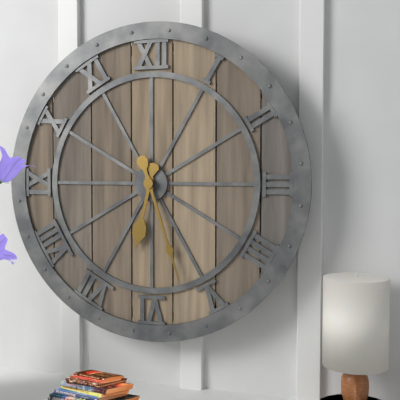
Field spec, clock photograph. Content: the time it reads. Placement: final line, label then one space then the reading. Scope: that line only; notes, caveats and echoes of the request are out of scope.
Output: 6:27
